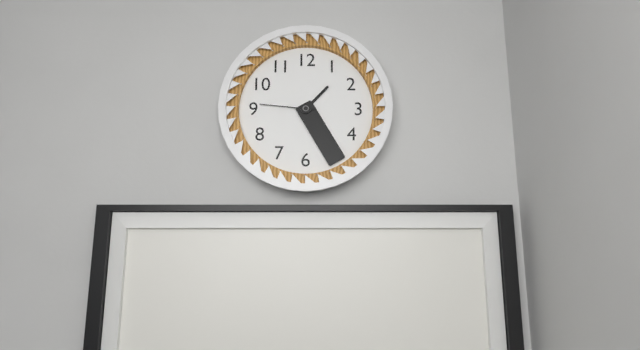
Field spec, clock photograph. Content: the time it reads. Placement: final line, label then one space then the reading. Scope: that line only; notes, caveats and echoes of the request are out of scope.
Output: 1:25:46
